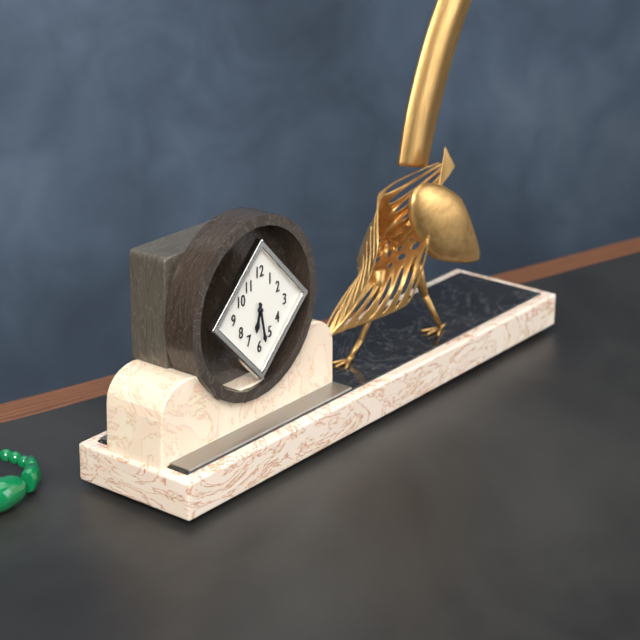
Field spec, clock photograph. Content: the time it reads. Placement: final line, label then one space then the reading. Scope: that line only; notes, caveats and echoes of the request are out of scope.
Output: 6:28
